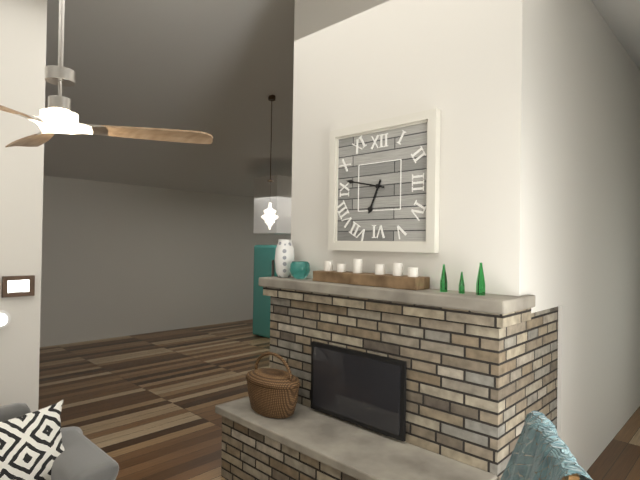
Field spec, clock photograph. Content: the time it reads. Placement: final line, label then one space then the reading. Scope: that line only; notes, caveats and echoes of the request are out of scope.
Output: 6:47
